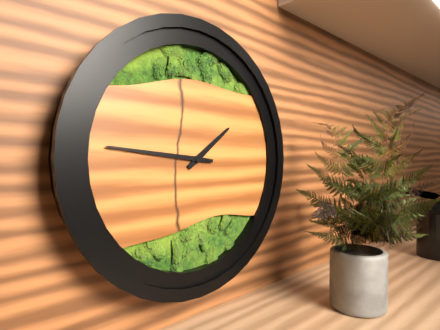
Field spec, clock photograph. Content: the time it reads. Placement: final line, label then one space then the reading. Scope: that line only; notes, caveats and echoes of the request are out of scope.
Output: 1:46
